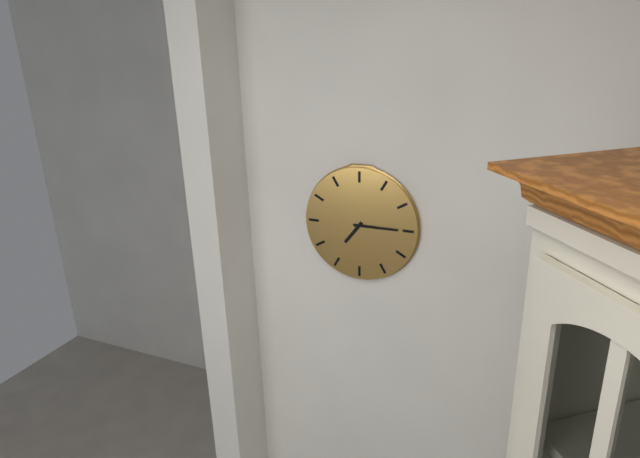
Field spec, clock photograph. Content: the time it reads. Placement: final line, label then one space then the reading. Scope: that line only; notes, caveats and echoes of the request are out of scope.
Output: 7:15
